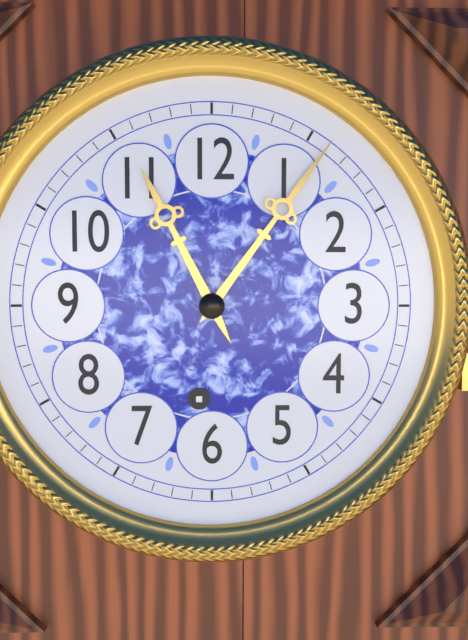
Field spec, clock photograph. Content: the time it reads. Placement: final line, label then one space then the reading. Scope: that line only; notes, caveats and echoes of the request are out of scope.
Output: 11:06
